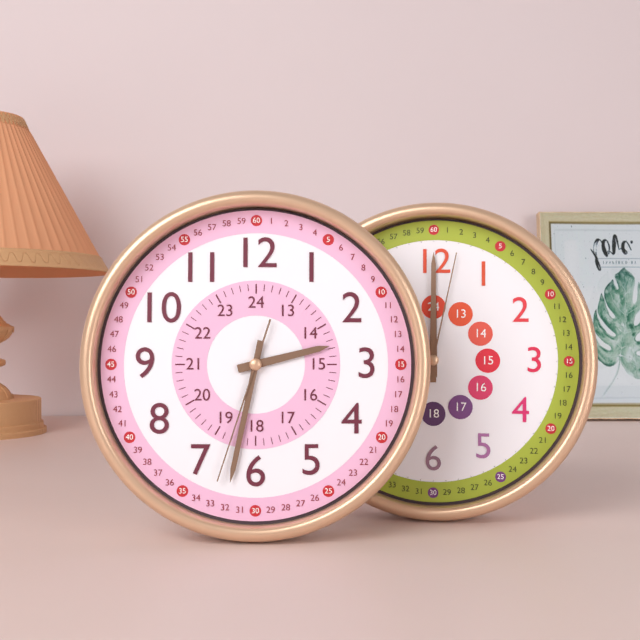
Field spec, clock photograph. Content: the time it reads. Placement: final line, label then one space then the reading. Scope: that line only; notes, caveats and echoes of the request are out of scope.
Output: 2:32:33
